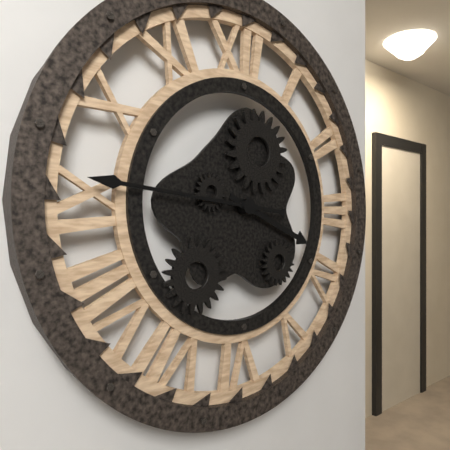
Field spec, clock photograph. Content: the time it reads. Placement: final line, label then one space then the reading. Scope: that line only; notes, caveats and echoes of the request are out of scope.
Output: 3:46
